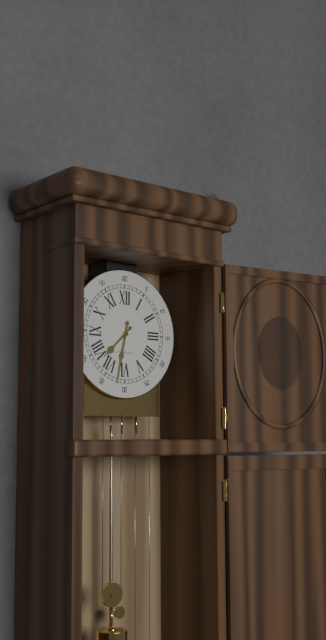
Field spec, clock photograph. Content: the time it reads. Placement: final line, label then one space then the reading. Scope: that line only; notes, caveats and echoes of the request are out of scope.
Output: 7:32
